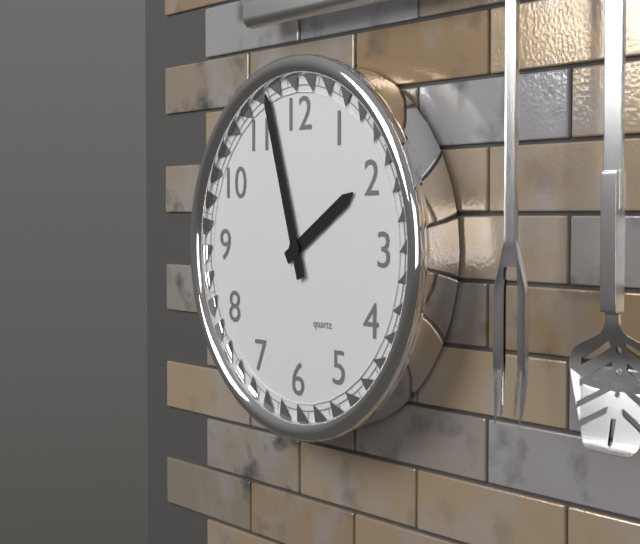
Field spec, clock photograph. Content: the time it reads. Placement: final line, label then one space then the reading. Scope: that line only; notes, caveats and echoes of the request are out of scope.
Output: 1:57
